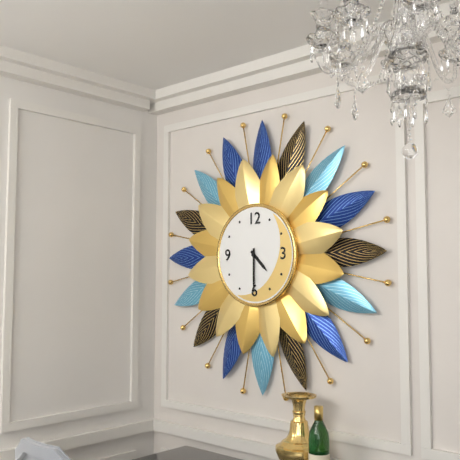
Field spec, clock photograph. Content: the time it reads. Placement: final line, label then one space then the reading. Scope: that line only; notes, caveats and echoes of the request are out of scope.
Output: 4:30
